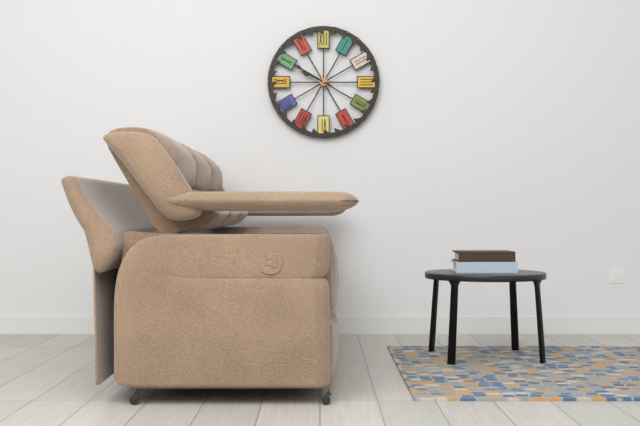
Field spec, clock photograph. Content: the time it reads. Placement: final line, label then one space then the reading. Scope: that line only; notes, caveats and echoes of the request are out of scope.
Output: 9:50
